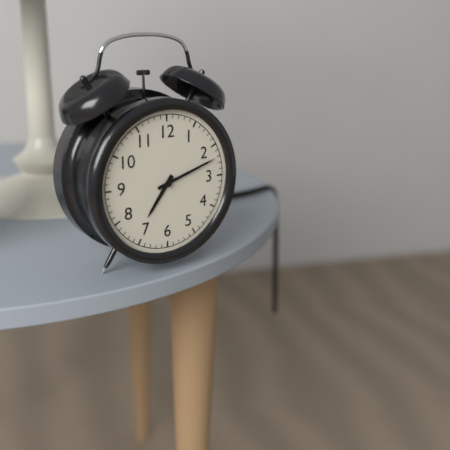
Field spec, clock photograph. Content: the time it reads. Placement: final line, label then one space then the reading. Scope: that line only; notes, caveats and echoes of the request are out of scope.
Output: 7:12
